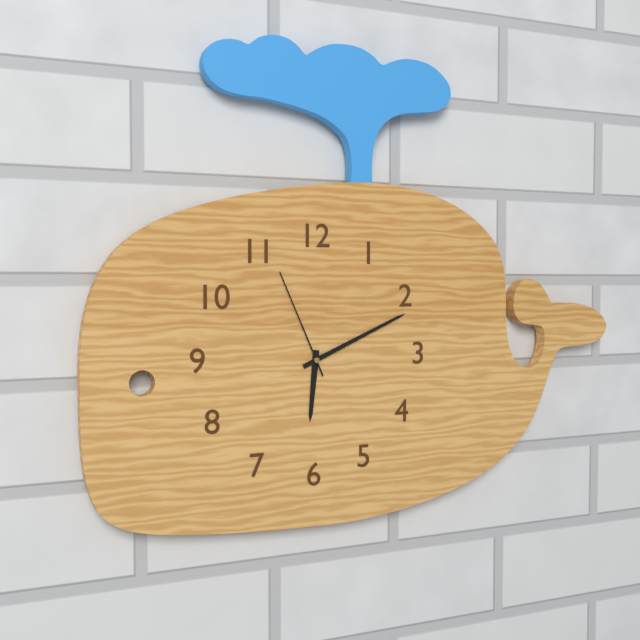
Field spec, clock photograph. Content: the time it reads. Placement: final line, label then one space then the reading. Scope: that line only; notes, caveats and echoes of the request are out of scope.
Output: 6:11:56
